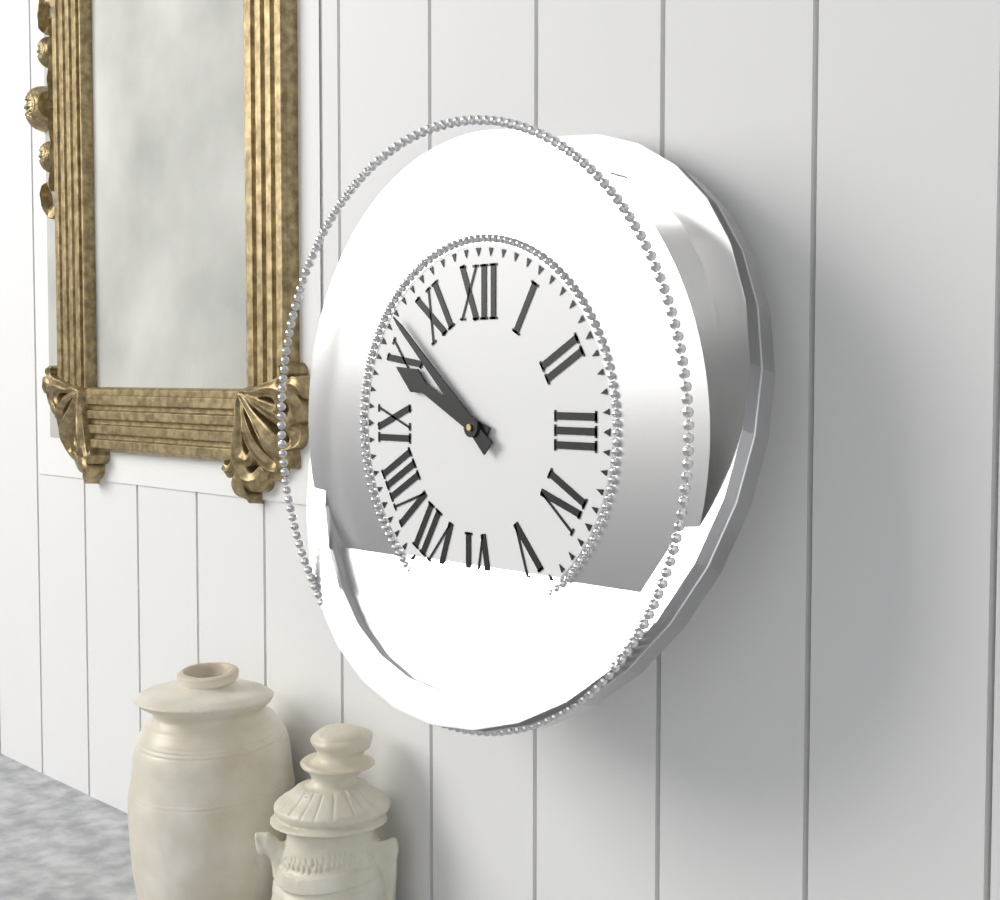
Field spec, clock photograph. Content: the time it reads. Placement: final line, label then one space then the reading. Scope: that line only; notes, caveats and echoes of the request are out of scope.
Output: 9:52
